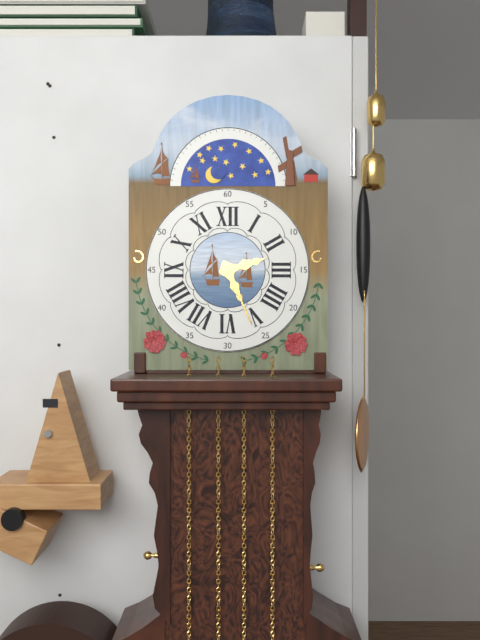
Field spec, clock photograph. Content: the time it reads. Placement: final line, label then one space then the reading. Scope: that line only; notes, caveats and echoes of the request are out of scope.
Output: 2:26
